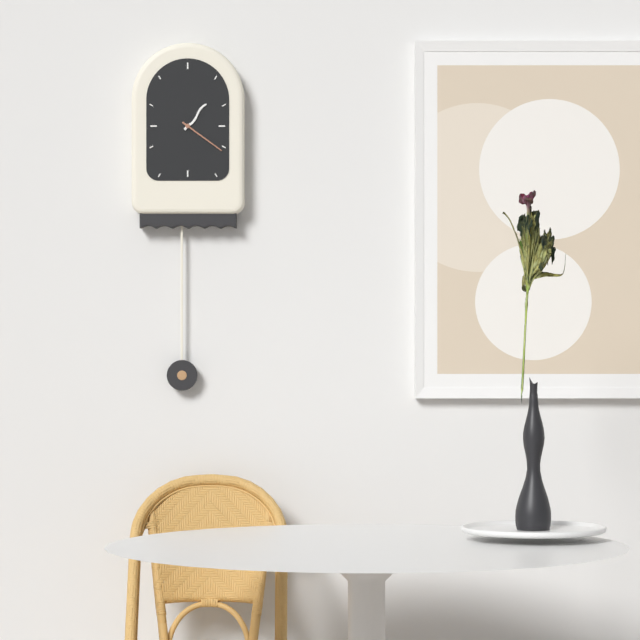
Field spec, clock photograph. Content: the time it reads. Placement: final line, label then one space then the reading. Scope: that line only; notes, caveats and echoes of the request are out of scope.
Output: 1:21
